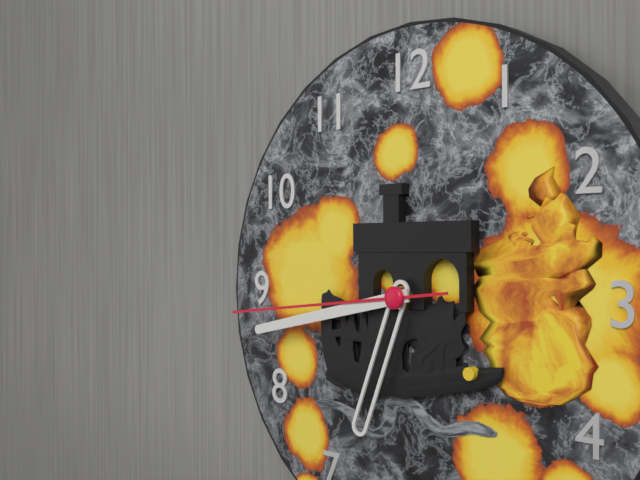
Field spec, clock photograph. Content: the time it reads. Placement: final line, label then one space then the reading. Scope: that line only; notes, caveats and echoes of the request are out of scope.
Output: 6:43:44
